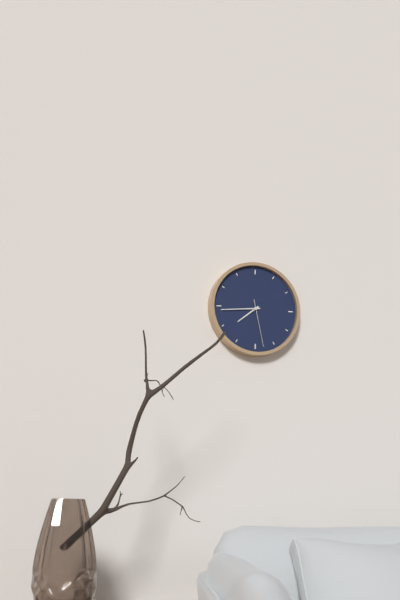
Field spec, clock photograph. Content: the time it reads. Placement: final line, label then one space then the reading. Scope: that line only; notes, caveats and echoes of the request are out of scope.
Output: 7:44
